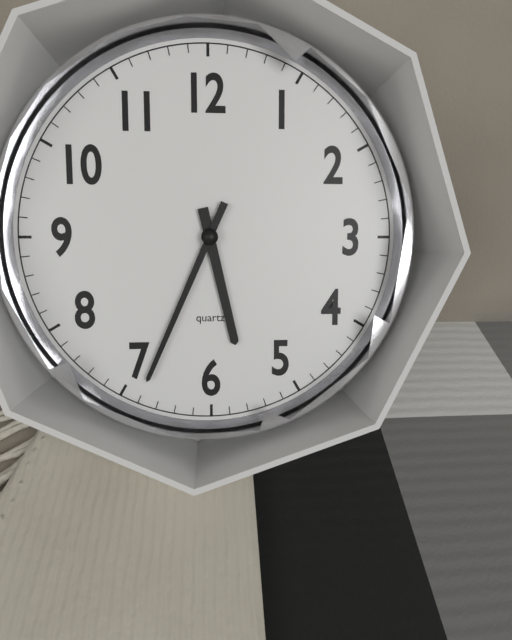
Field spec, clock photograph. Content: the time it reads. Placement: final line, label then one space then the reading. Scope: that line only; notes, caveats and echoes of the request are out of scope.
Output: 5:34
